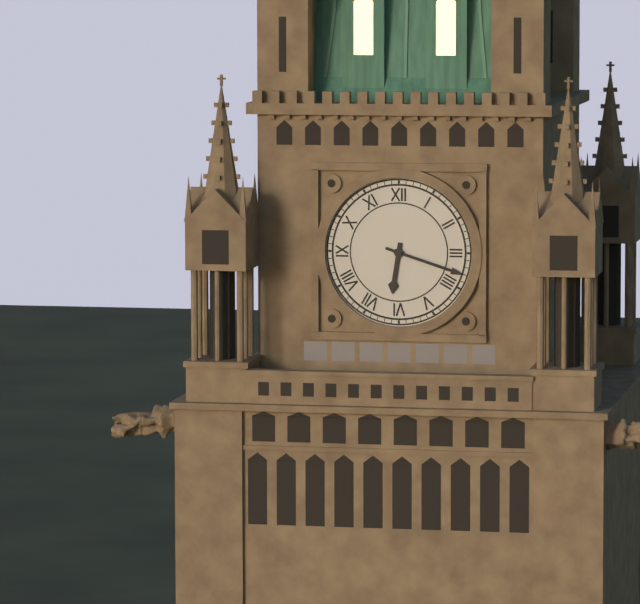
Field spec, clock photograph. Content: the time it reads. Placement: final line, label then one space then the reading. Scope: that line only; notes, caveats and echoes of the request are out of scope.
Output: 6:18
